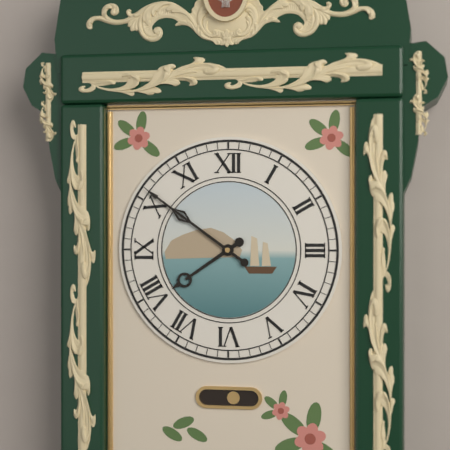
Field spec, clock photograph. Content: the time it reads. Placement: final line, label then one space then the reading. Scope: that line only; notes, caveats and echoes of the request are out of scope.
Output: 7:51
